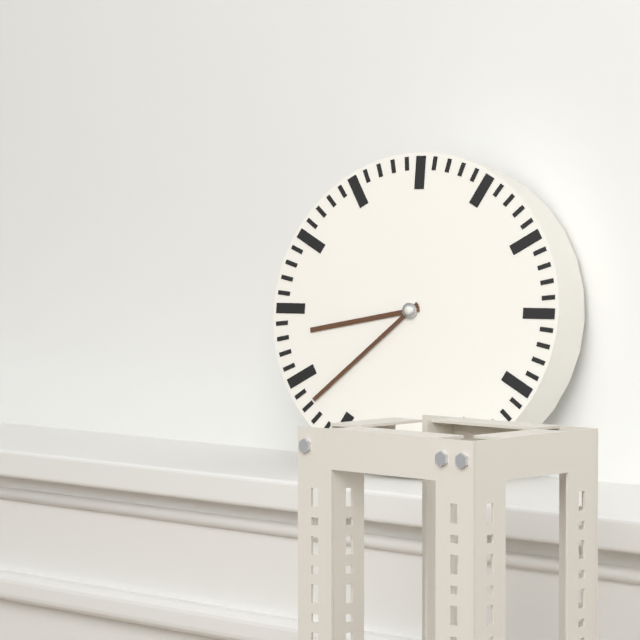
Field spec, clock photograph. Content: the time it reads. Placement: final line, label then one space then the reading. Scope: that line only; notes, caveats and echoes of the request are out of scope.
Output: 8:38
